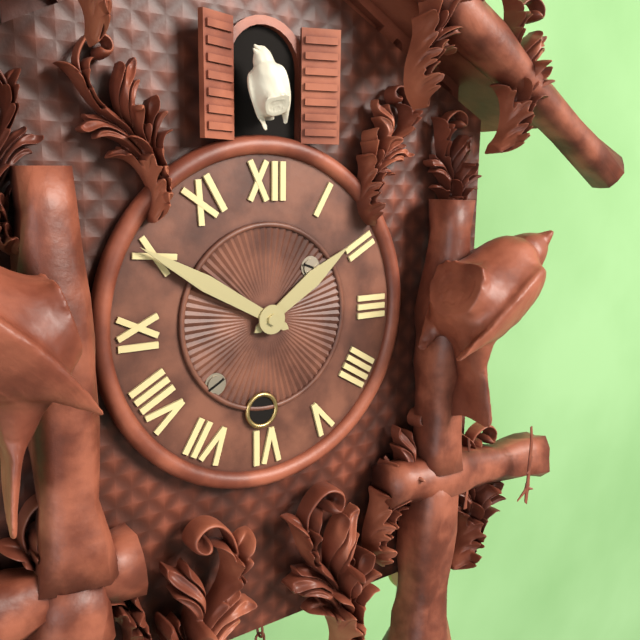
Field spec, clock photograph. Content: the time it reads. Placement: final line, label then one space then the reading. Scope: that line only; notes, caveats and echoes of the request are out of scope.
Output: 1:50
